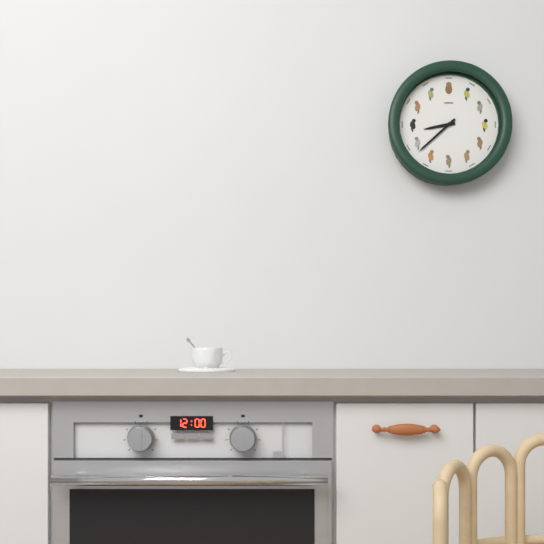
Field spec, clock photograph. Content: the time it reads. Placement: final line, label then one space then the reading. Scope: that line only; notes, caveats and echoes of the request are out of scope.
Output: 8:38
